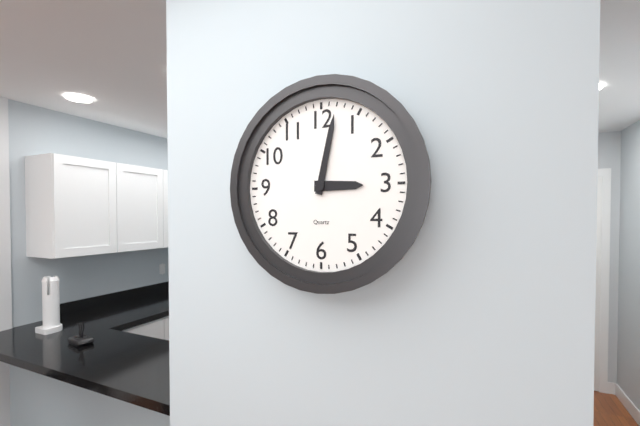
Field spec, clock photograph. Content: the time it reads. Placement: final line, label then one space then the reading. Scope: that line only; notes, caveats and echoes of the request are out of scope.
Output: 3:02
